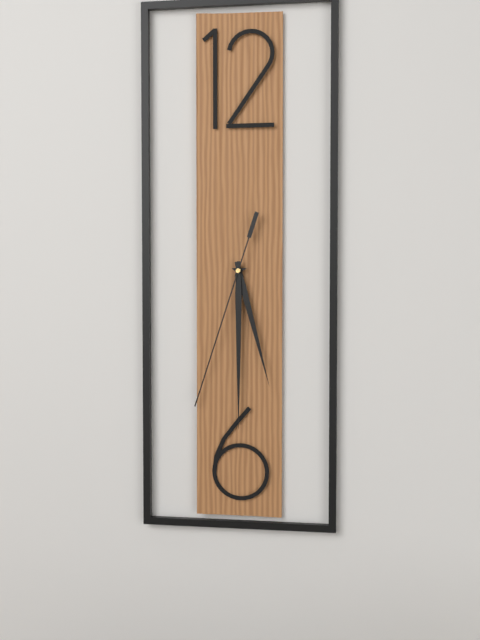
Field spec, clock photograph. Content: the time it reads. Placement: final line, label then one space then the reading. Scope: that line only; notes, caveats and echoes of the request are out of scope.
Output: 5:30:33
